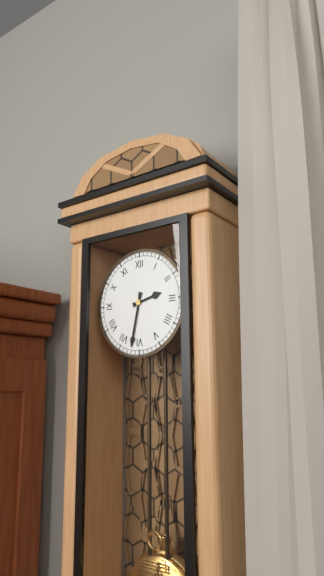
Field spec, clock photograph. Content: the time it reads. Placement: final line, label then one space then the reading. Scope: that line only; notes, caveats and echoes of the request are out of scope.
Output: 2:32
